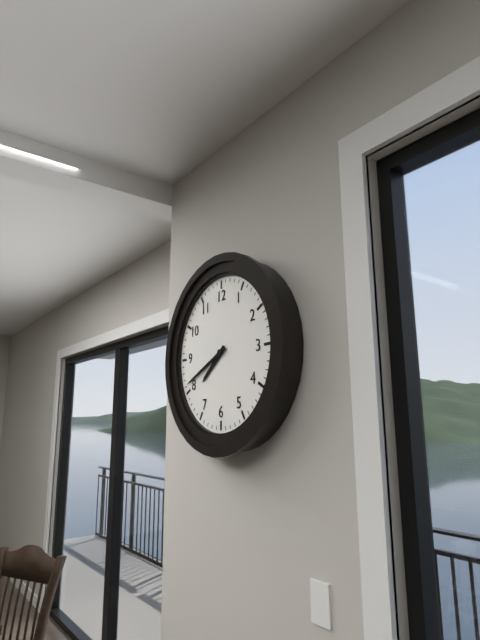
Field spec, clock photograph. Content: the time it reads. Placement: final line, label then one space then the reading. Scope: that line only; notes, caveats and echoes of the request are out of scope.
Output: 7:41
